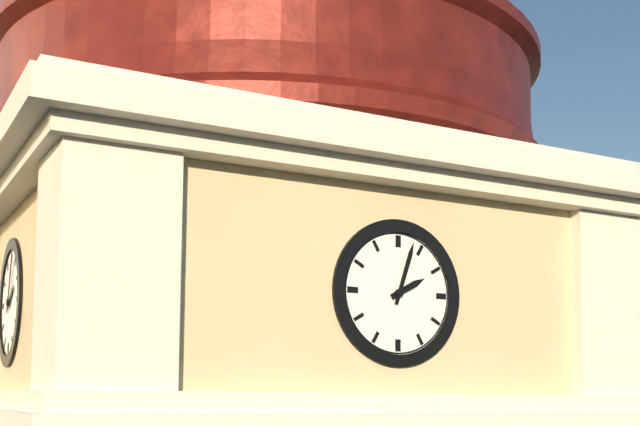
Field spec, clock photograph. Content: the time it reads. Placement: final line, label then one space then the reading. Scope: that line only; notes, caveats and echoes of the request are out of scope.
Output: 2:03
